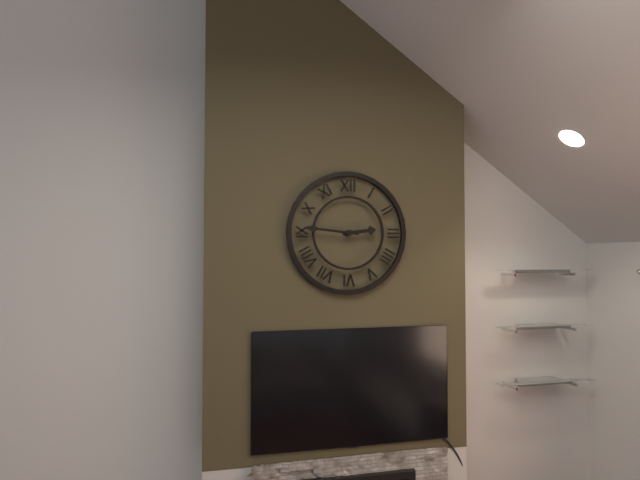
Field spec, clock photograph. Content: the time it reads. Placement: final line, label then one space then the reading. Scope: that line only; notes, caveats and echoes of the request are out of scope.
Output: 2:46
